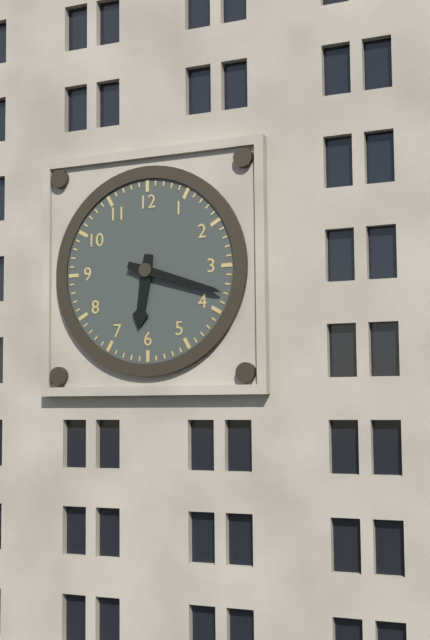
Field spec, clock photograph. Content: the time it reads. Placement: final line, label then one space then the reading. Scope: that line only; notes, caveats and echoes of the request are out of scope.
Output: 6:18
